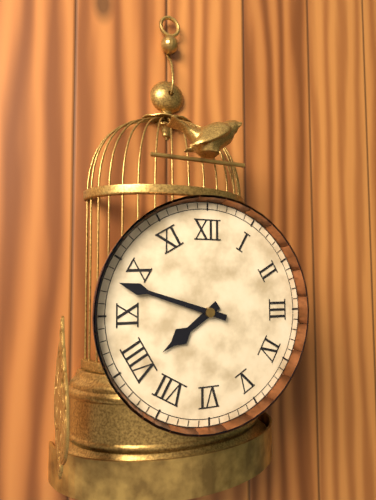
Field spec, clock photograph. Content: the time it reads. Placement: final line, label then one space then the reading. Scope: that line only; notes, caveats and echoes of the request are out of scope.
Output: 7:48
